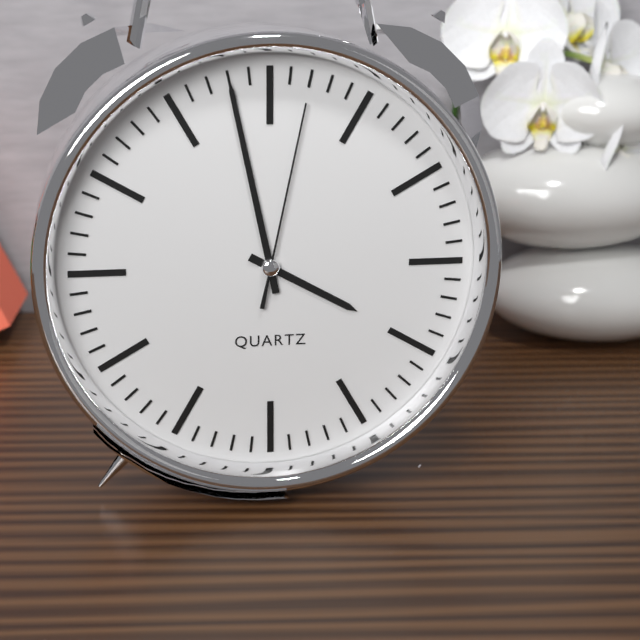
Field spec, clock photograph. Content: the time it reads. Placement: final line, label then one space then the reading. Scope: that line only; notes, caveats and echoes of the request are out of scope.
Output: 3:58:02
